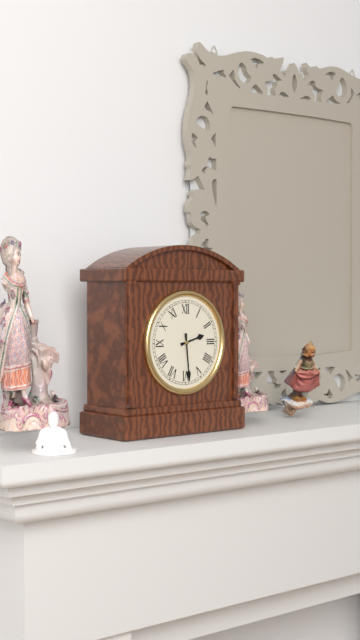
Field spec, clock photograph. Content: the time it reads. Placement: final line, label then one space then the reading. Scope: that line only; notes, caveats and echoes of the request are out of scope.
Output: 2:29
